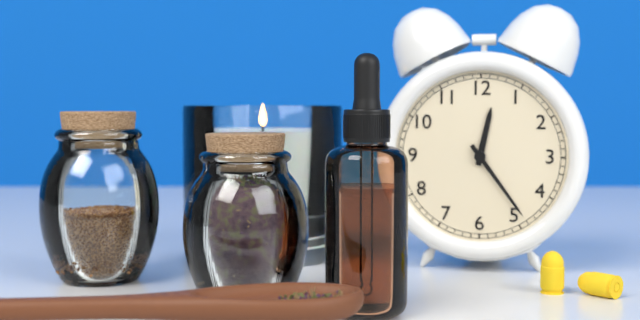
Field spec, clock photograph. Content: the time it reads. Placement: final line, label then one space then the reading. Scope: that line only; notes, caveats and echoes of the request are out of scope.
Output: 12:24
